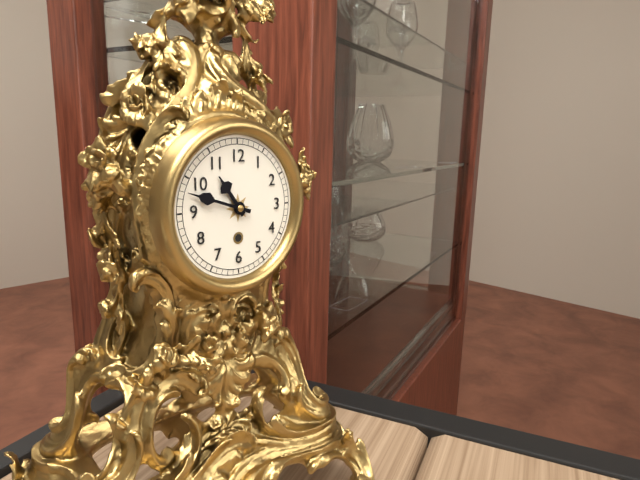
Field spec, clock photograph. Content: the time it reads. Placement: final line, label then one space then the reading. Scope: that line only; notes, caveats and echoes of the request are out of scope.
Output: 10:48
